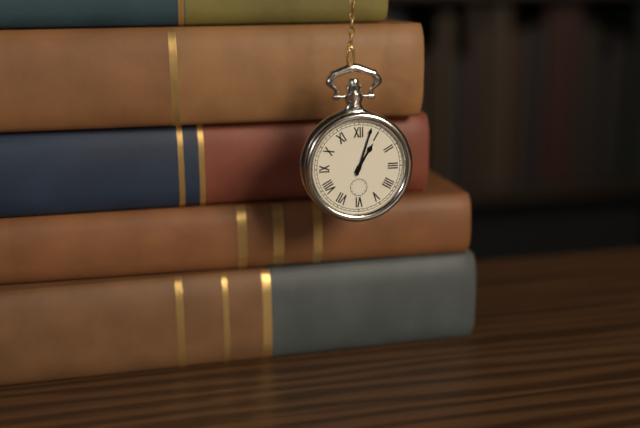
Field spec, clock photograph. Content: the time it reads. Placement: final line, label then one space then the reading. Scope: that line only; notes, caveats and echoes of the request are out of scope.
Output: 1:03
